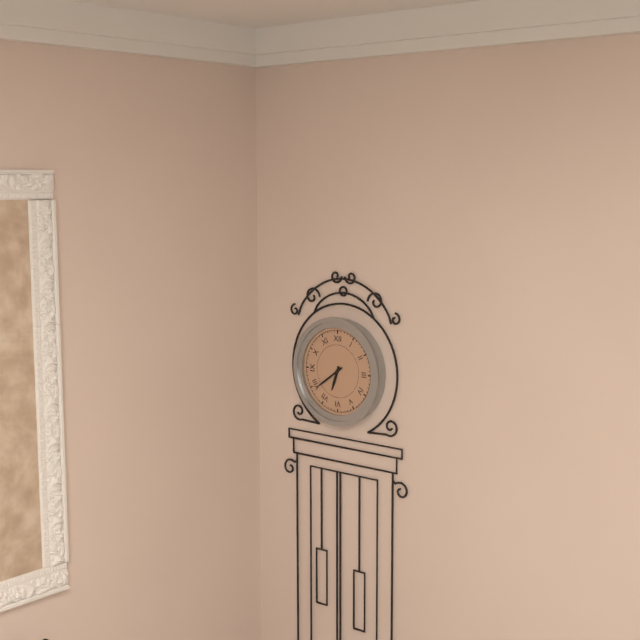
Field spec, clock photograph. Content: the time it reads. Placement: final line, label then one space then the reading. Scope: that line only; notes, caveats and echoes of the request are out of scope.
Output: 6:39
